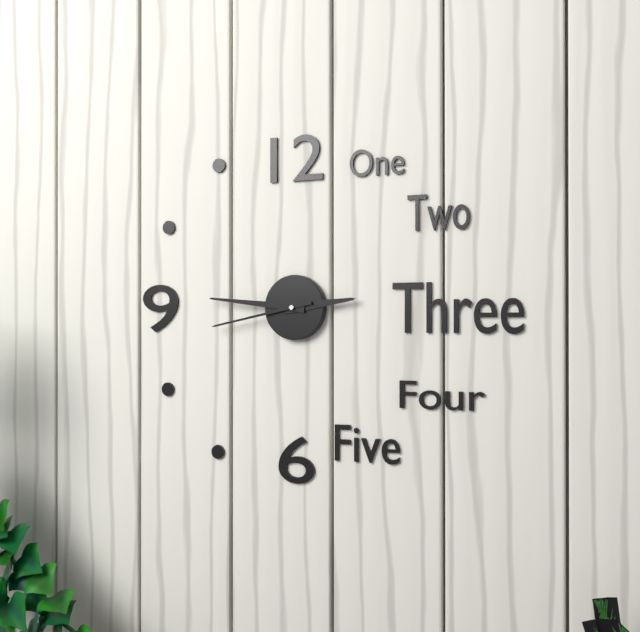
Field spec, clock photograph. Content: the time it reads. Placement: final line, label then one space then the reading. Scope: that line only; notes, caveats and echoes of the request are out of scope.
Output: 2:46:43
